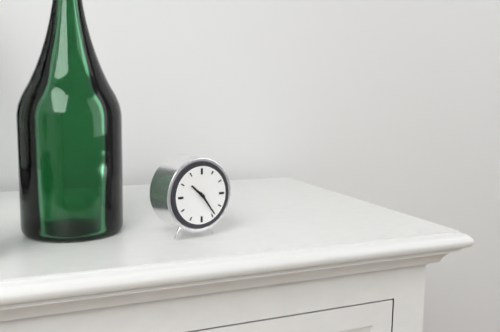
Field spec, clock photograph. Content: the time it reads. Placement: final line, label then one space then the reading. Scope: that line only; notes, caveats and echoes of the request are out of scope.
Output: 10:24
